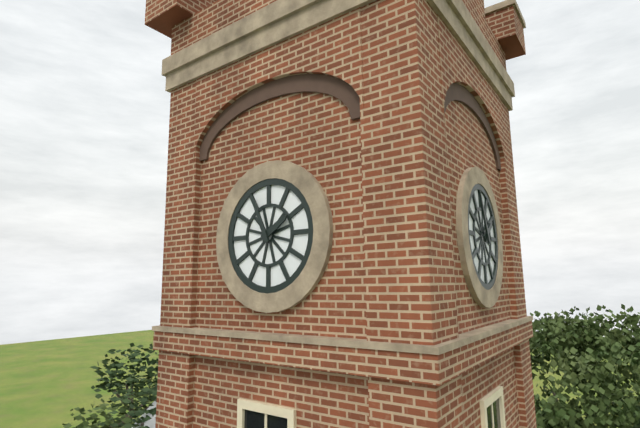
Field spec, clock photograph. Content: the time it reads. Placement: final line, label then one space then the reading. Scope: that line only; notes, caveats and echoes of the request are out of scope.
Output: 1:56
